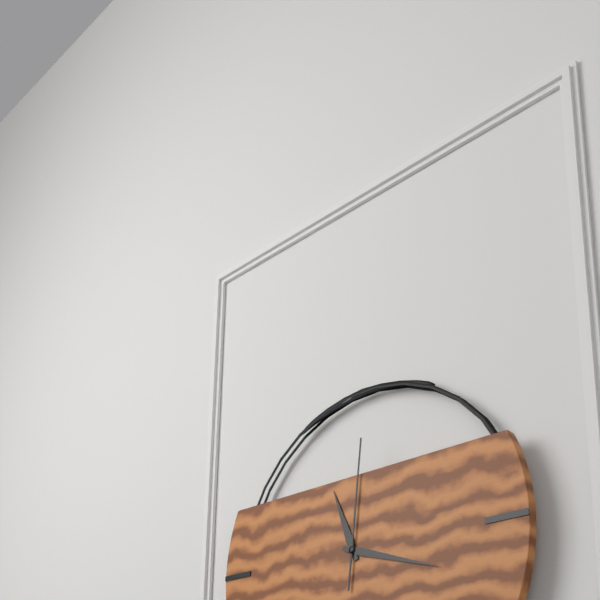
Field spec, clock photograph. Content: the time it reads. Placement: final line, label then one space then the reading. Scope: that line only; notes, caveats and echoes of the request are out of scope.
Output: 11:18:01
